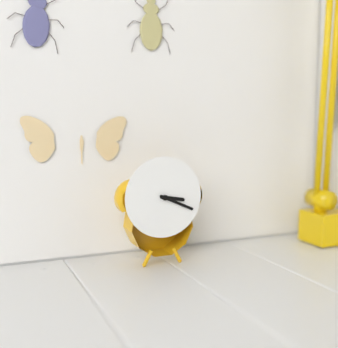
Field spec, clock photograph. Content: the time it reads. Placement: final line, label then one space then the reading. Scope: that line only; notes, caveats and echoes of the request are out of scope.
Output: 3:19
